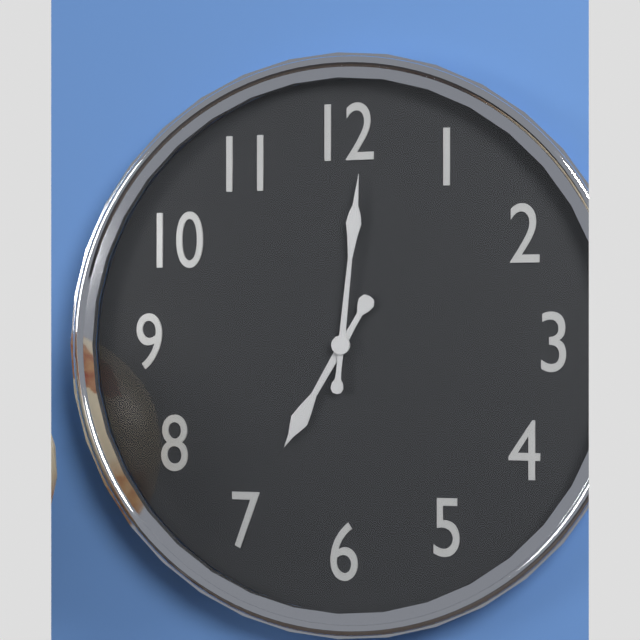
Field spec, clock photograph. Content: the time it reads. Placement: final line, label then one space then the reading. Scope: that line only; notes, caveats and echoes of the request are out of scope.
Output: 7:01
